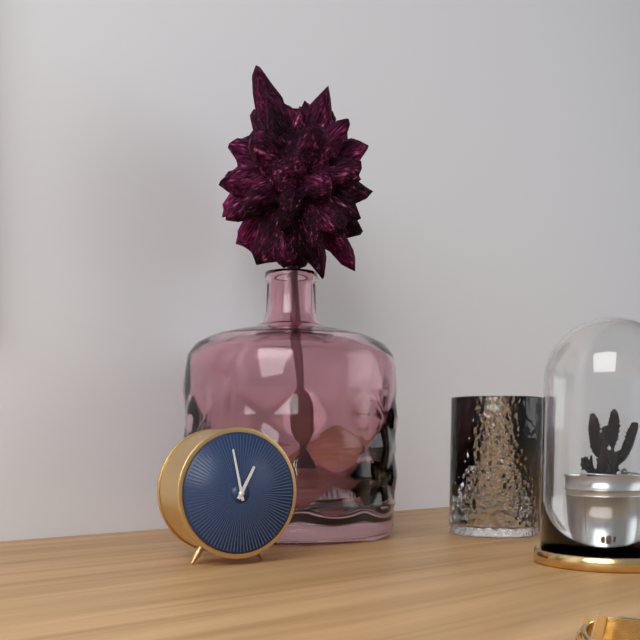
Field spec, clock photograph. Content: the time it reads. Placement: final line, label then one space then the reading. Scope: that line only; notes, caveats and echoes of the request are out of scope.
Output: 12:58
